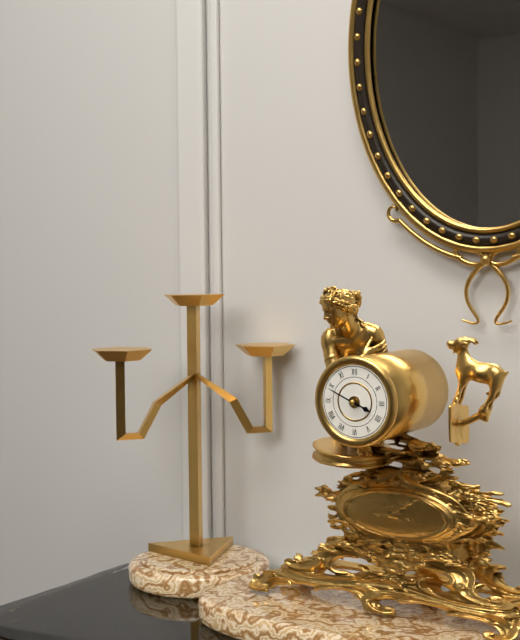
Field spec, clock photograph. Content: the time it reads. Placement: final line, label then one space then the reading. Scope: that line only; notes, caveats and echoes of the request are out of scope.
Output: 3:49
